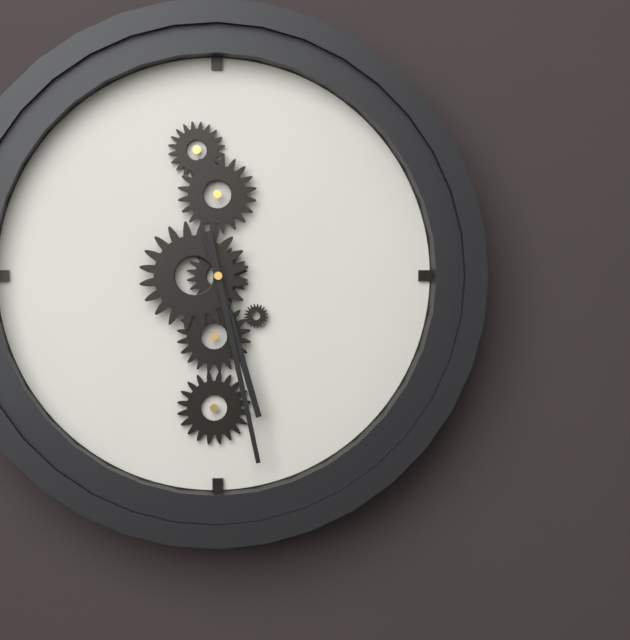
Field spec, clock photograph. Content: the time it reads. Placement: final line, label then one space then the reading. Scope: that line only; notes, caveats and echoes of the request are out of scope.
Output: 5:28
